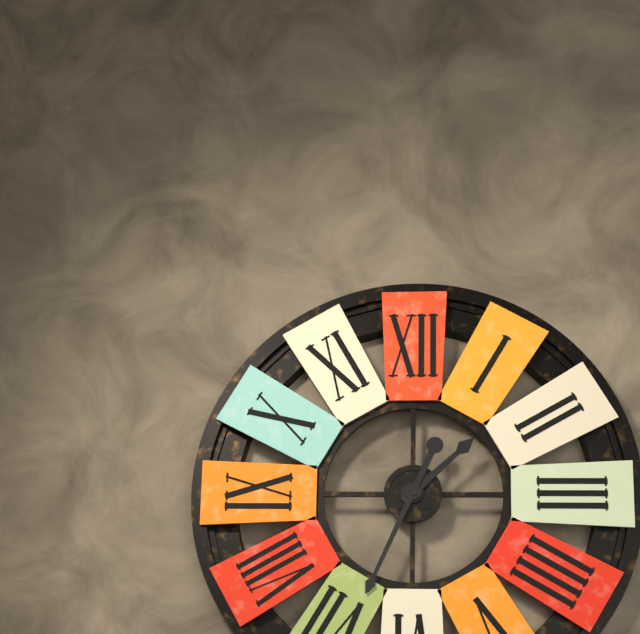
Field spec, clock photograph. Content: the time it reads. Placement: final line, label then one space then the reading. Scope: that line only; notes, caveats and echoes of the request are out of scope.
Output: 1:34
